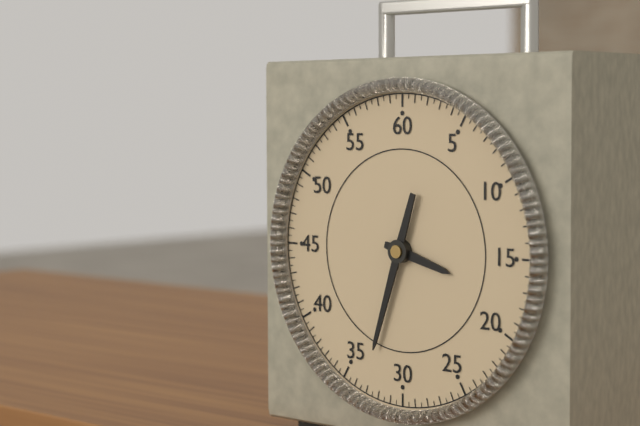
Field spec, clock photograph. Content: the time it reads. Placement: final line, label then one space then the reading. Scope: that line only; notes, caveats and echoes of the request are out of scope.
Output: 3:33
